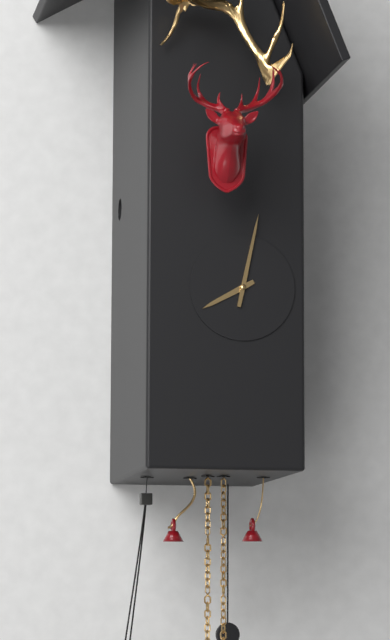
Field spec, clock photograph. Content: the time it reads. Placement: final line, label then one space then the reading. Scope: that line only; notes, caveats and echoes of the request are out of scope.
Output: 8:02
